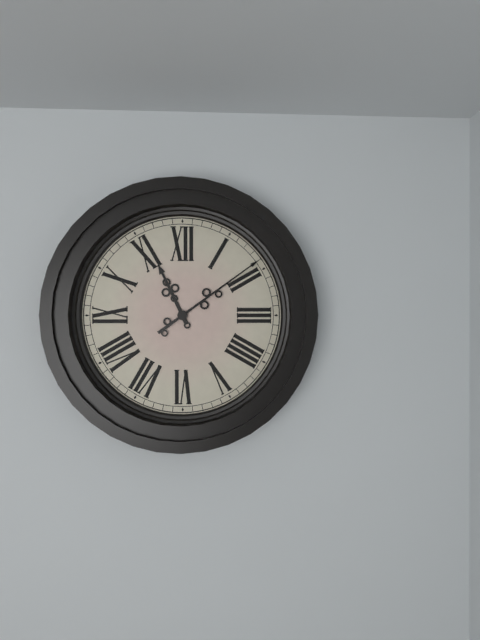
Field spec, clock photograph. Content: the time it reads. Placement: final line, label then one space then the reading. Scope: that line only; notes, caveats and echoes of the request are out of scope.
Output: 11:09
